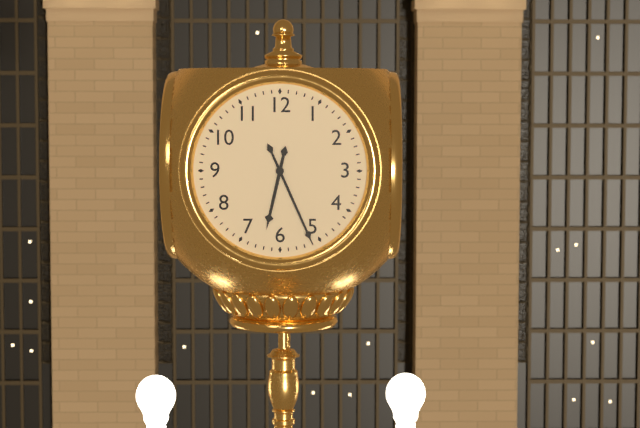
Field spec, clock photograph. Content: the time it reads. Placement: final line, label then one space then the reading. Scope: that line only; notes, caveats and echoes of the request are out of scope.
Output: 6:26
